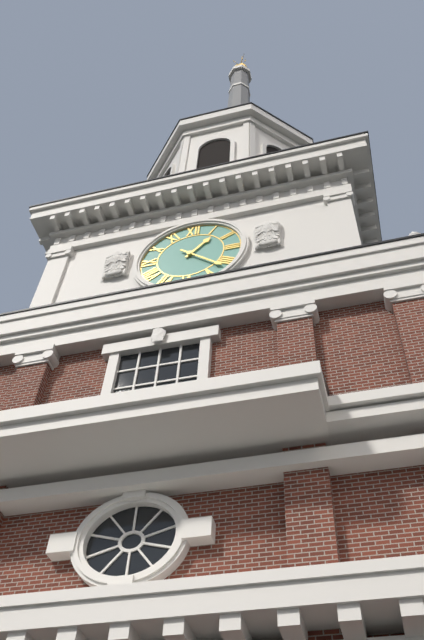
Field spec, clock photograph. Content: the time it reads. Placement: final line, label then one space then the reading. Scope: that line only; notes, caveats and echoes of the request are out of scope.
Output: 1:22
